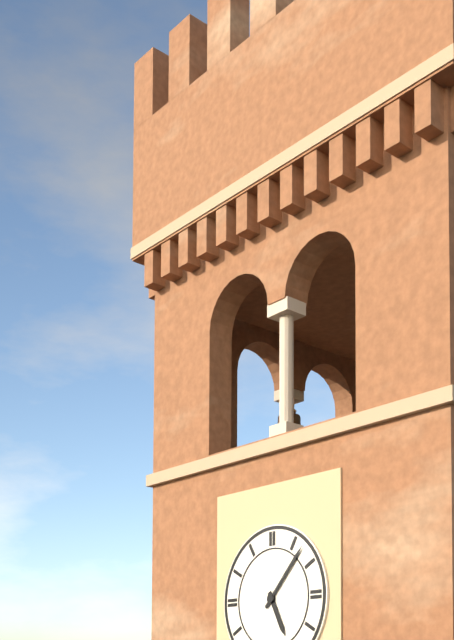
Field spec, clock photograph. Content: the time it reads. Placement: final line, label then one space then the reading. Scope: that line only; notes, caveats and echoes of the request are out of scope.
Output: 5:07
